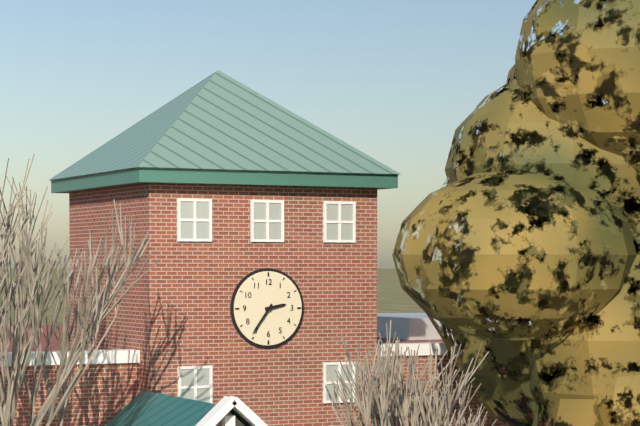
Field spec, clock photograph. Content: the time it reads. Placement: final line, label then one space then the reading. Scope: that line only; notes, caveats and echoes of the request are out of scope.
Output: 2:36
